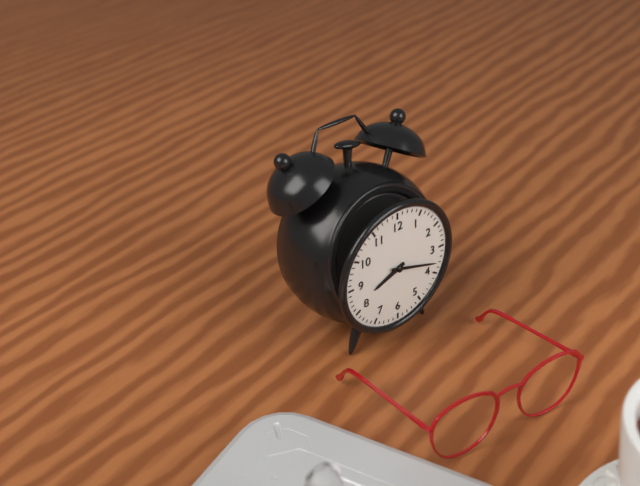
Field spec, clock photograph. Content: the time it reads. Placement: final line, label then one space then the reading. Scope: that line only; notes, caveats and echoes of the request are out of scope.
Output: 8:18
